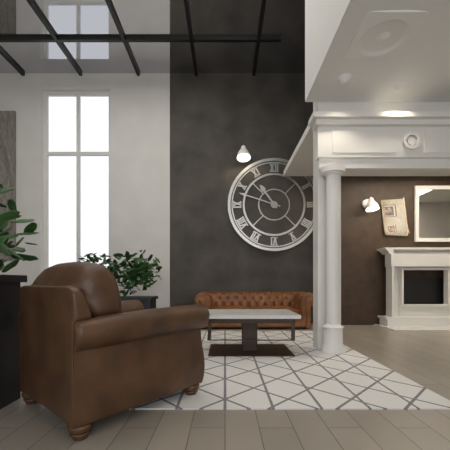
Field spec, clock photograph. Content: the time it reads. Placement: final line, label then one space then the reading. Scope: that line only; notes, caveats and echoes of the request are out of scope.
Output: 10:48
